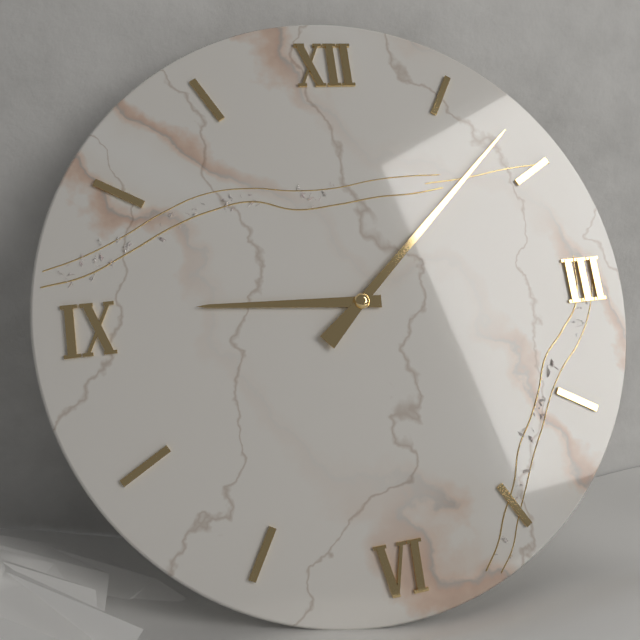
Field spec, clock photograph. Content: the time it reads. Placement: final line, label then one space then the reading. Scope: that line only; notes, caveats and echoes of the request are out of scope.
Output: 9:08
